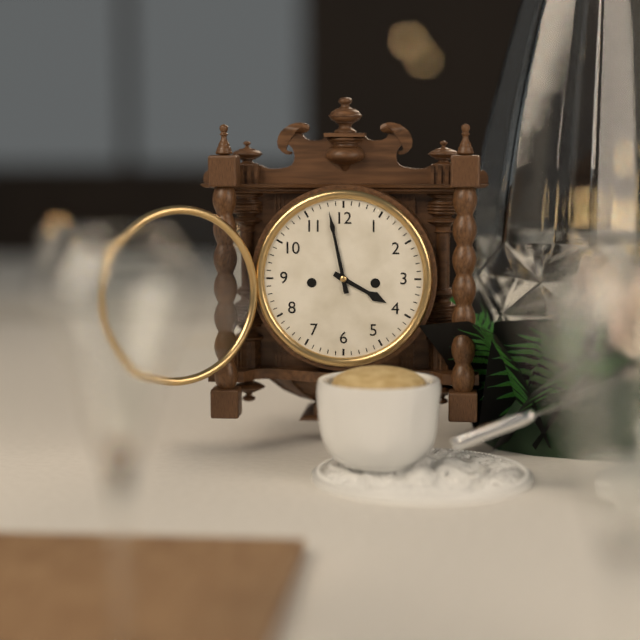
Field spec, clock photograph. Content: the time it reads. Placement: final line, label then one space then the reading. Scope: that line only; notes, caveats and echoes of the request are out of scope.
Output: 3:58
